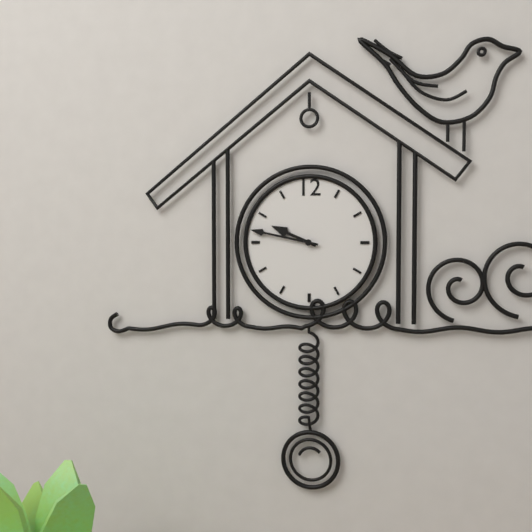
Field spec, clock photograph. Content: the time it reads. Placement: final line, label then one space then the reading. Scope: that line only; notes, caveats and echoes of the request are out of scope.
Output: 9:47
